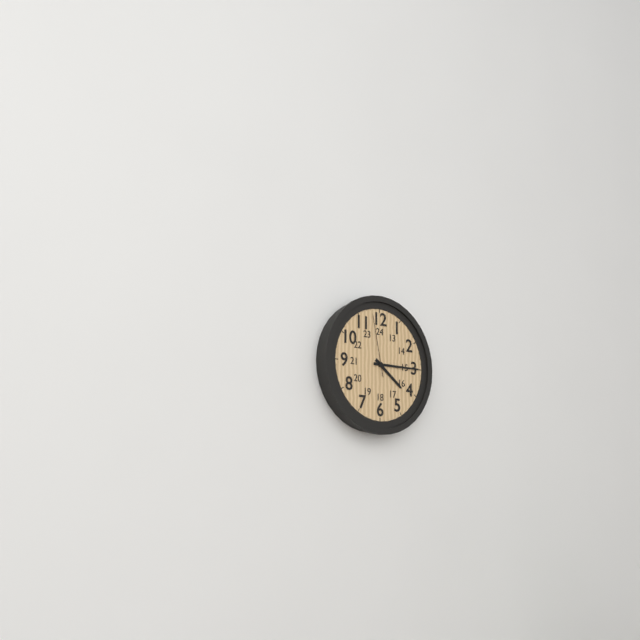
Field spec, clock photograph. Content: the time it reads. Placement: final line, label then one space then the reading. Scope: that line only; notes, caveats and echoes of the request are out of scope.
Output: 4:15:58
